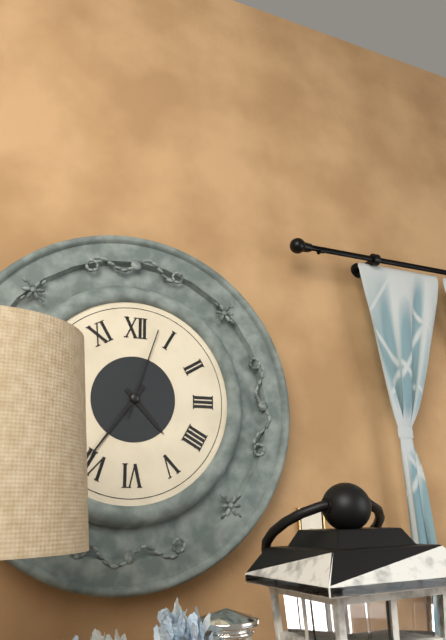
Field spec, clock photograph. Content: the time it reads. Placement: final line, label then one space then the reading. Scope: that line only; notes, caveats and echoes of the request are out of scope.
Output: 4:36:03
